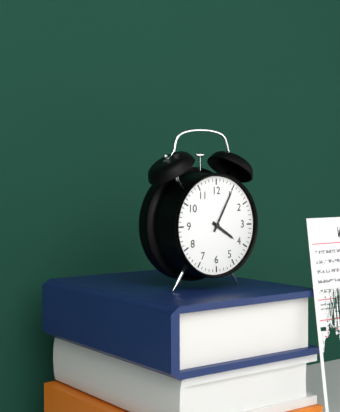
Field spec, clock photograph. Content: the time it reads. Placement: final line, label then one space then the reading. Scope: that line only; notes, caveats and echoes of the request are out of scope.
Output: 4:05
